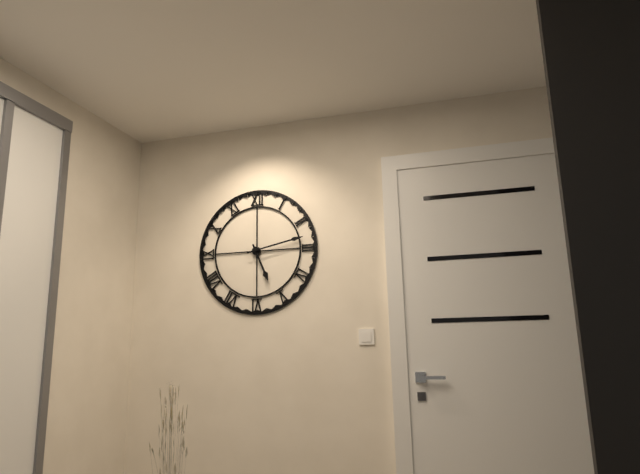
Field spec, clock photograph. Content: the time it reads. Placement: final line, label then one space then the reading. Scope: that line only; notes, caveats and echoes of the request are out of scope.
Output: 5:13
